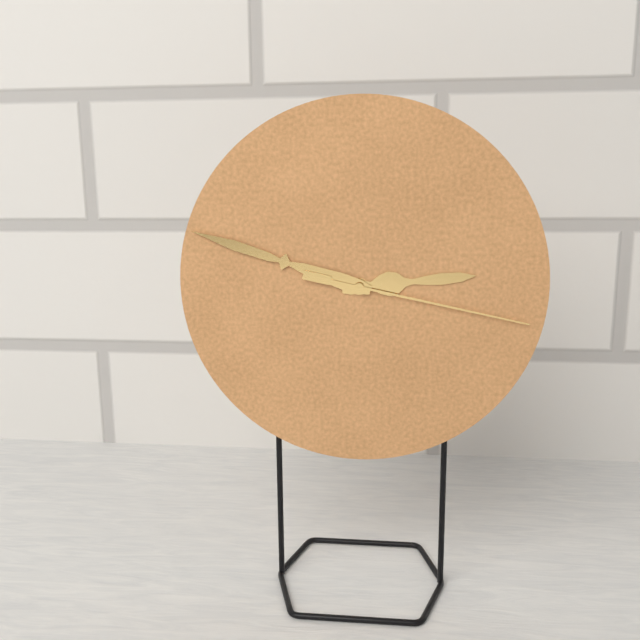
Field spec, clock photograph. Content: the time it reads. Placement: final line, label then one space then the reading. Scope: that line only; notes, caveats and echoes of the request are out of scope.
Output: 2:48:17
